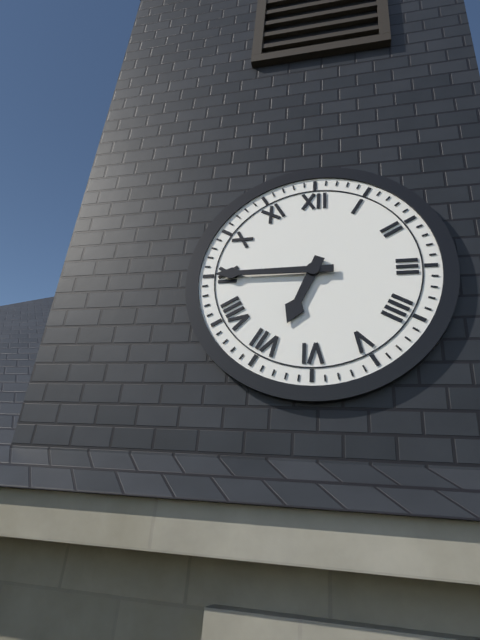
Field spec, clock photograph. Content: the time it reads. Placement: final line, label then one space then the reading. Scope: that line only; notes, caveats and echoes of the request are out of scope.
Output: 6:45
